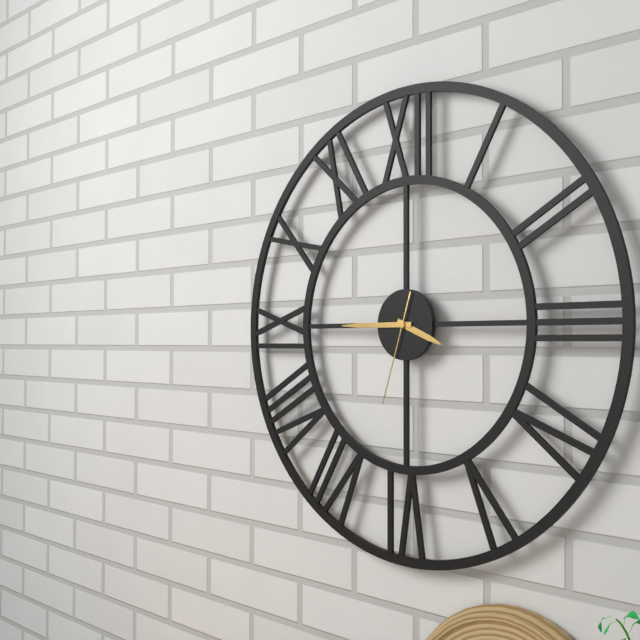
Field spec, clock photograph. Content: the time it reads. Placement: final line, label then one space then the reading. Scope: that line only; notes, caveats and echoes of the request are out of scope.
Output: 3:45:33
